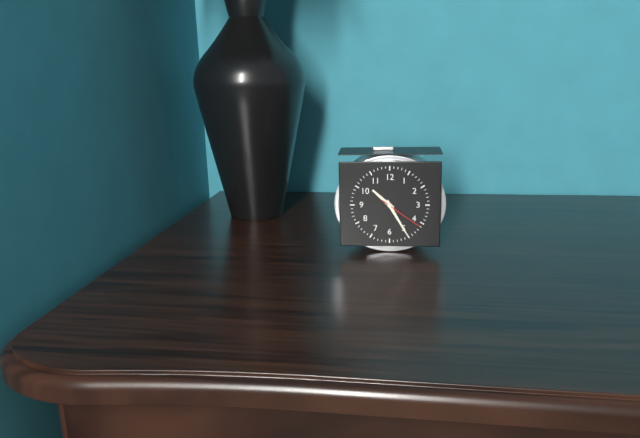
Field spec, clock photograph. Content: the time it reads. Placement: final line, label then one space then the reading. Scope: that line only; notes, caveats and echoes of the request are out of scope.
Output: 10:25:21
